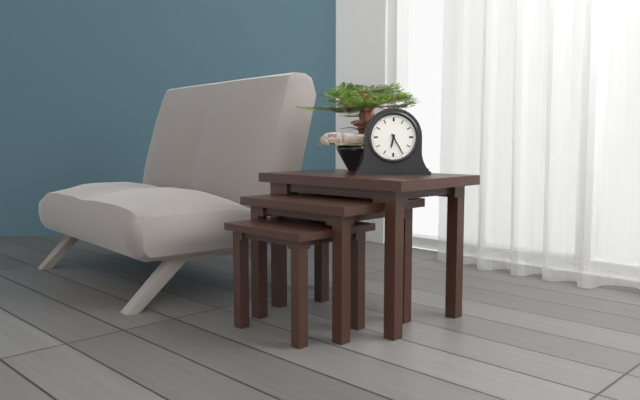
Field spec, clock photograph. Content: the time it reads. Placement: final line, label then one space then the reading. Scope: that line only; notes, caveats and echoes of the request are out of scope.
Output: 6:25
